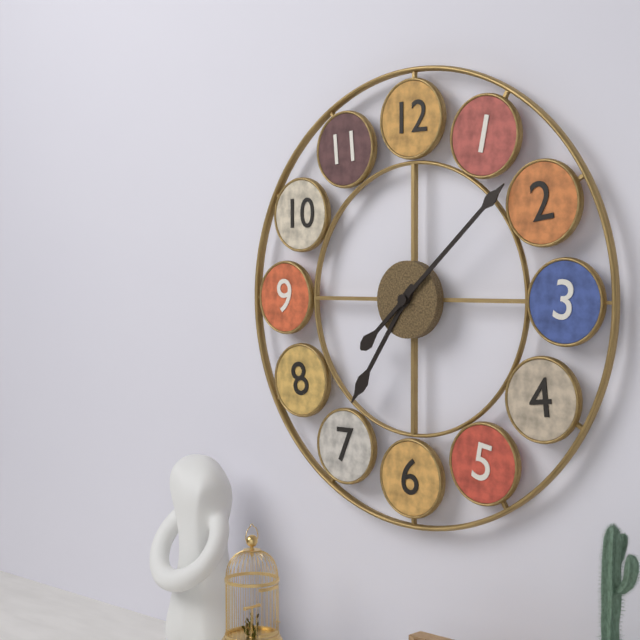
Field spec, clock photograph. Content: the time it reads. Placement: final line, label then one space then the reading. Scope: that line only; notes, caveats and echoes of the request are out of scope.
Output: 7:08
